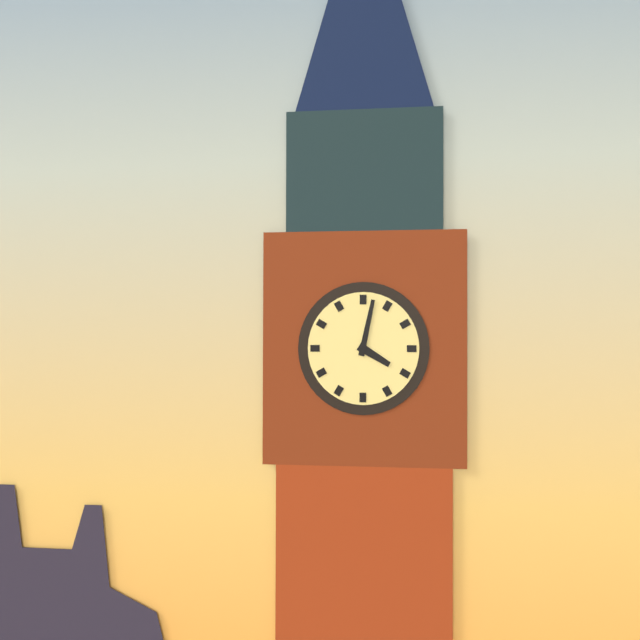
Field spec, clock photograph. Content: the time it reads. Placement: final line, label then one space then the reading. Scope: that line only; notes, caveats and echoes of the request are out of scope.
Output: 4:02
